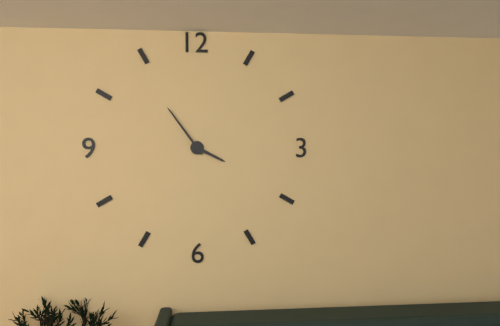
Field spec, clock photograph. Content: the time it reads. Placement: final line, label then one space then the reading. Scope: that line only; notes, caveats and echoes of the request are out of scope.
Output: 3:54
